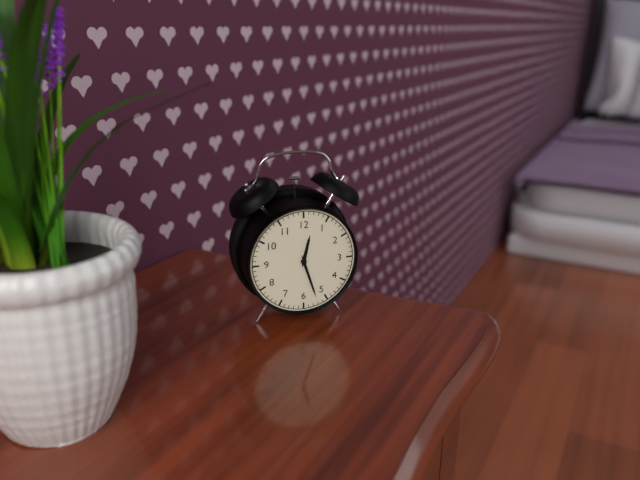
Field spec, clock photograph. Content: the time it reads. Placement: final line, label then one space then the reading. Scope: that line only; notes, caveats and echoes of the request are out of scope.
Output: 12:27
